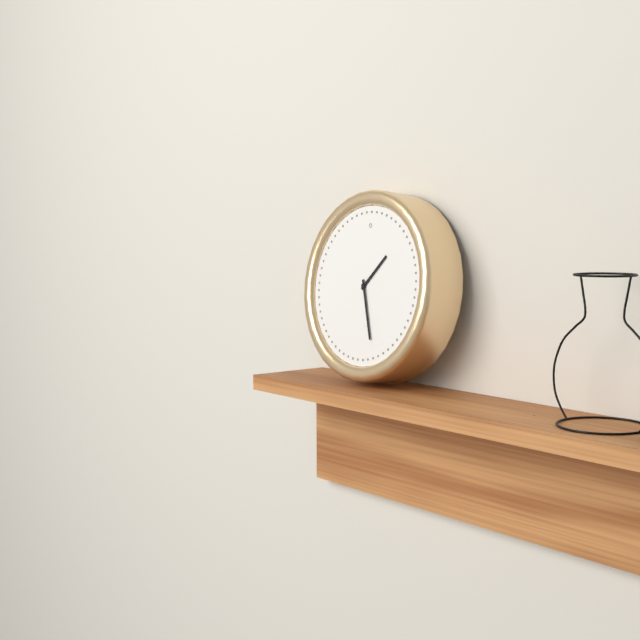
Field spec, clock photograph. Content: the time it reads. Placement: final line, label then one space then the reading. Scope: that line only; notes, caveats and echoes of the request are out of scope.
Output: 1:27
